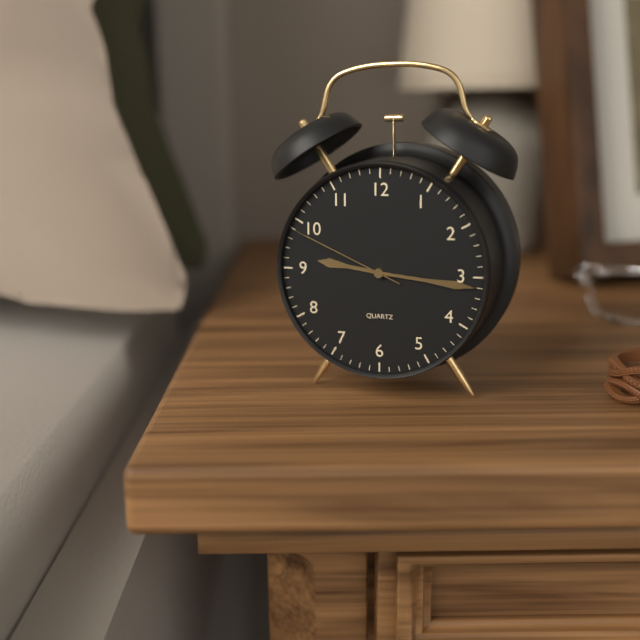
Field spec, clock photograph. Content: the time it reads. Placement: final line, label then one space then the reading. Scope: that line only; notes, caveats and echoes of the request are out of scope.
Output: 9:16:49
